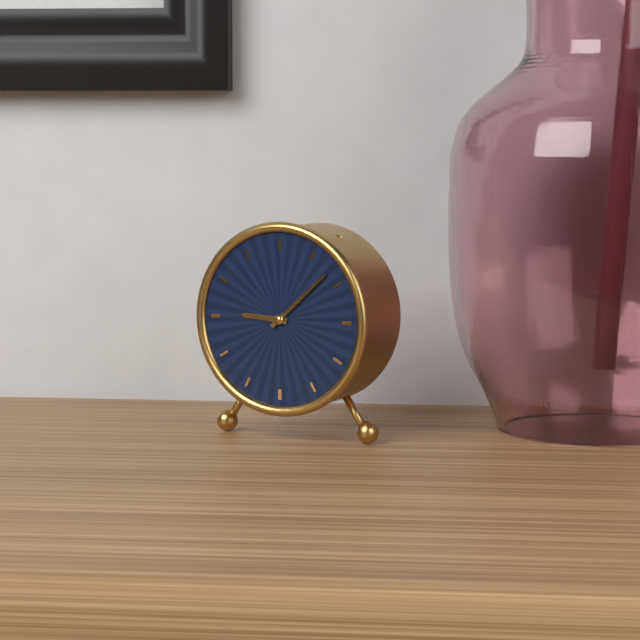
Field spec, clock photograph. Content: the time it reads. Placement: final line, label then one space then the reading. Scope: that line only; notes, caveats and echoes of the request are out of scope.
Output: 9:08
